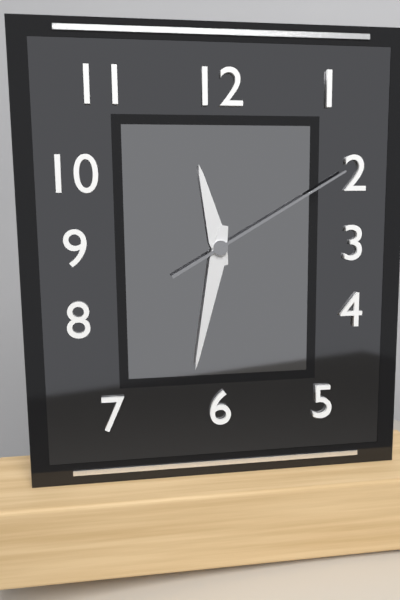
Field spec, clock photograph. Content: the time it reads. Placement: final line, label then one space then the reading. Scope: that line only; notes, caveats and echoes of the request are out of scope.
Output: 11:32:10
